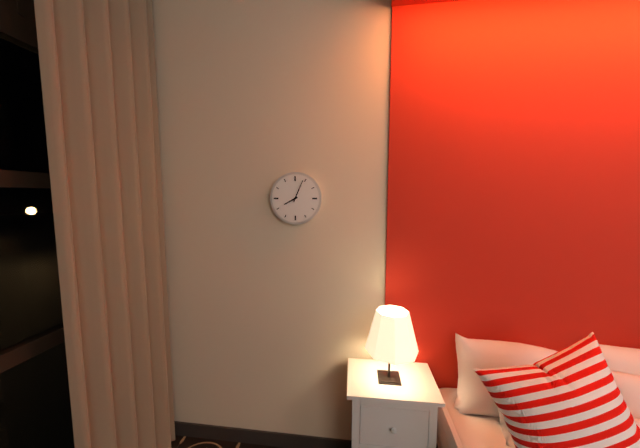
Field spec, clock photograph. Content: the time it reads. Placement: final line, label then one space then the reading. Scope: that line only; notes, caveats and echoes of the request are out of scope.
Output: 8:04
